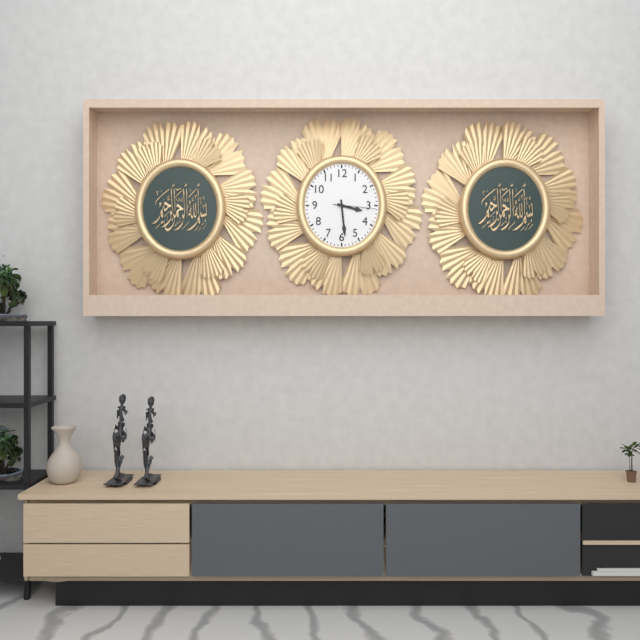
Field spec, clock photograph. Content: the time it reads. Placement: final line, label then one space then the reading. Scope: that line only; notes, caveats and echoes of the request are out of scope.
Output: 3:29
